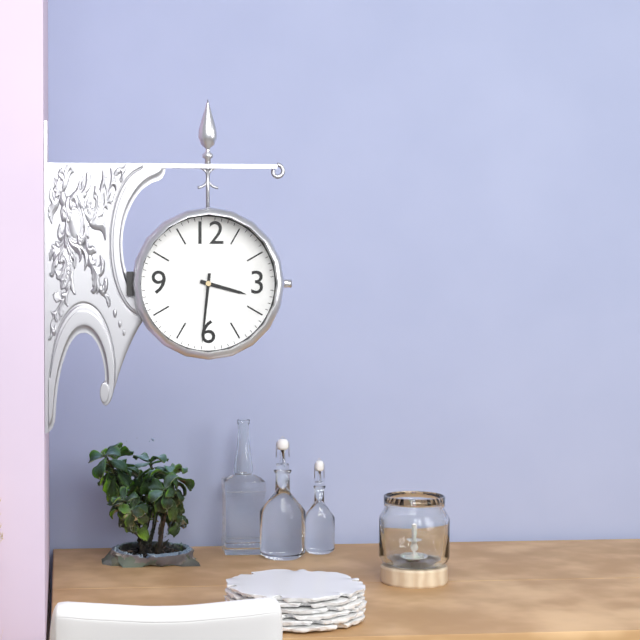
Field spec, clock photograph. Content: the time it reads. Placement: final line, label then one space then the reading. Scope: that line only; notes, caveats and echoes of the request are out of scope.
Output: 3:31
